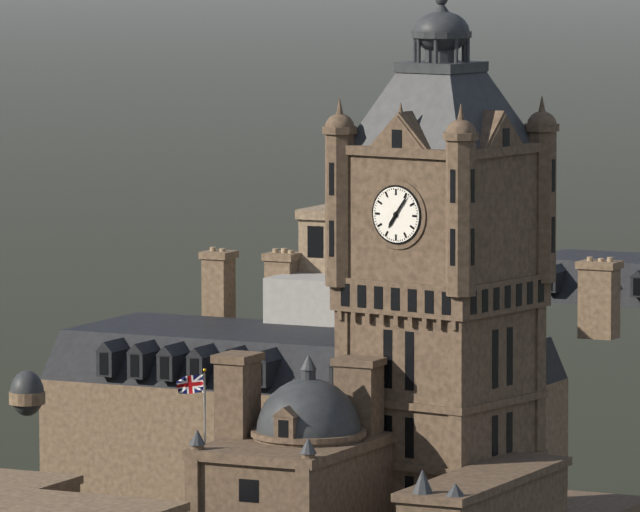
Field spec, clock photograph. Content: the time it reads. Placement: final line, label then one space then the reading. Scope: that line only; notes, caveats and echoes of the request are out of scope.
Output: 7:06
